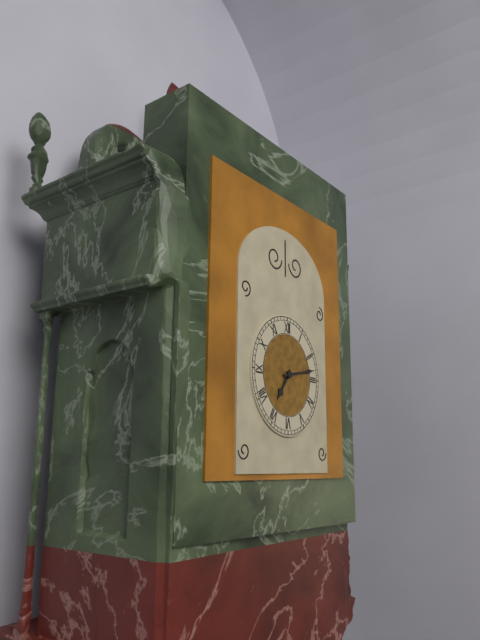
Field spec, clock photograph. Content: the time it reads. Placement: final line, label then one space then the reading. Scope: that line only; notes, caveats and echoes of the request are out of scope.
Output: 7:13
